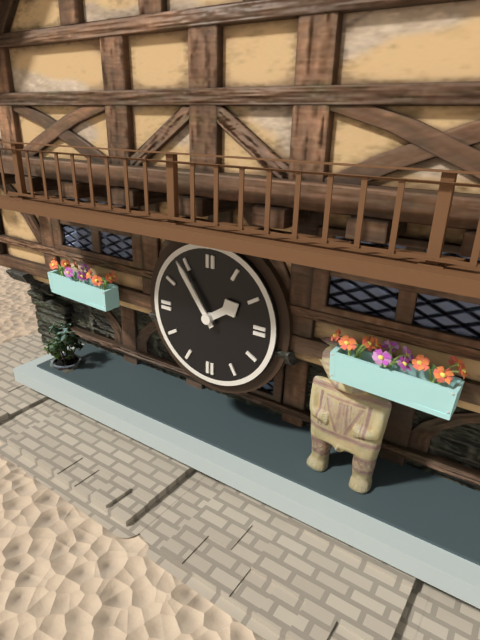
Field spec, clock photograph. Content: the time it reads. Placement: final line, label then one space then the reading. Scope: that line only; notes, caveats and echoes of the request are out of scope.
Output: 1:54
